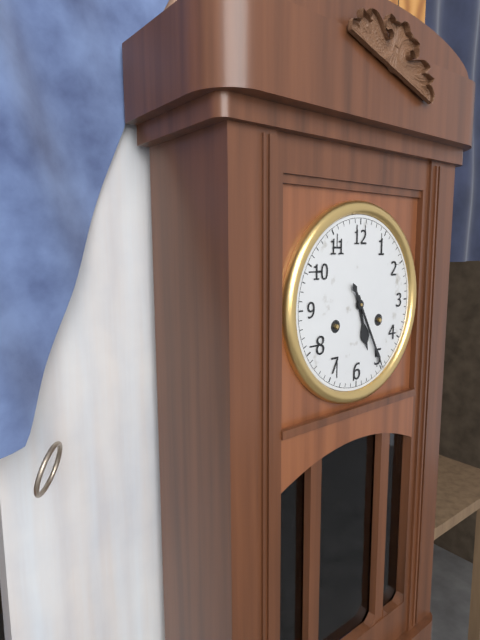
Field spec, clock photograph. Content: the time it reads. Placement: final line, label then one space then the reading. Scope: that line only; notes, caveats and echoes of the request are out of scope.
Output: 5:25
